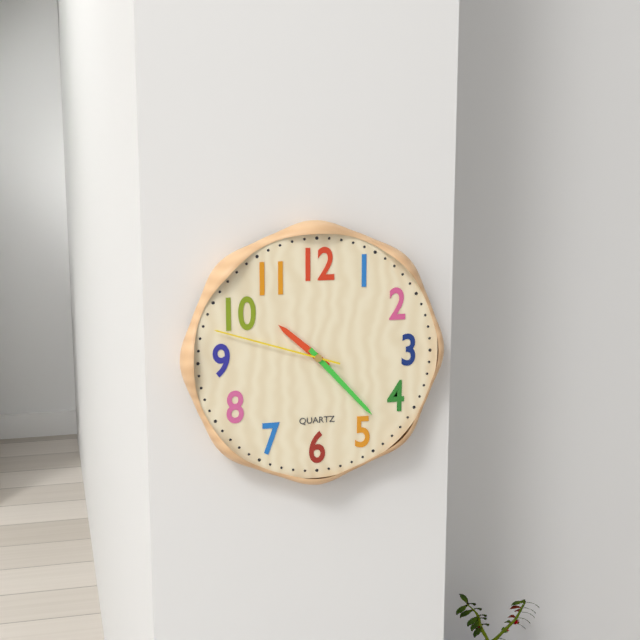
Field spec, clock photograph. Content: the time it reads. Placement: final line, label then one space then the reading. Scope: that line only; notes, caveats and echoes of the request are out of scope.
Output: 10:23:48
